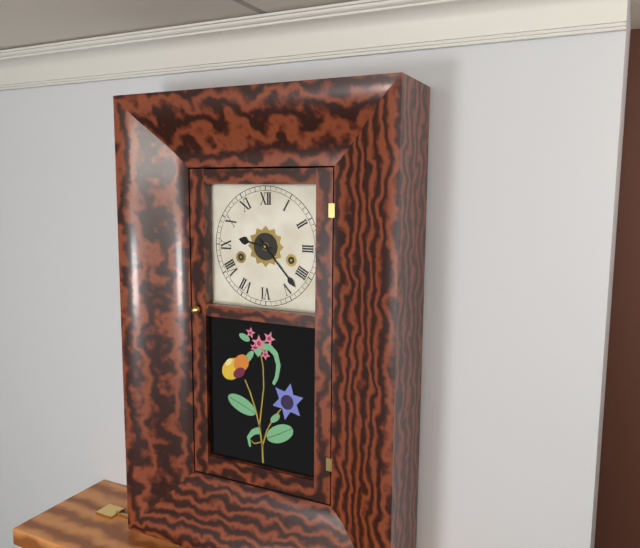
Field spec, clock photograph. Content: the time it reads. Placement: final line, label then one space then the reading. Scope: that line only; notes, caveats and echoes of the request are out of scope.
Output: 9:23
